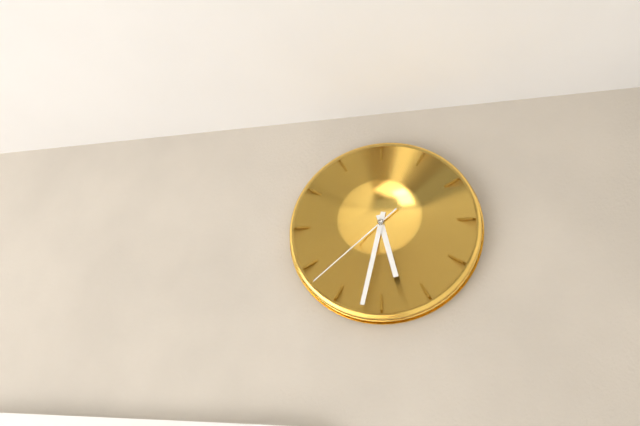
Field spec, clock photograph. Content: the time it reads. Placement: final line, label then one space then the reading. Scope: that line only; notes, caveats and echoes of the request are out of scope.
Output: 5:32:38
